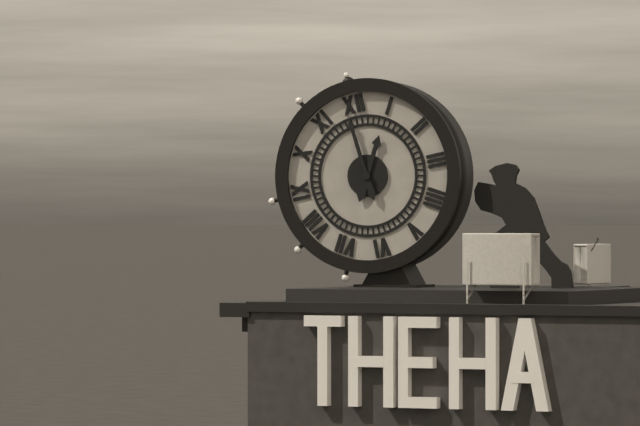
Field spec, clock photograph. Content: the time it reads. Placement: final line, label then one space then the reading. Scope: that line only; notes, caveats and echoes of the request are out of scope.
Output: 12:59
